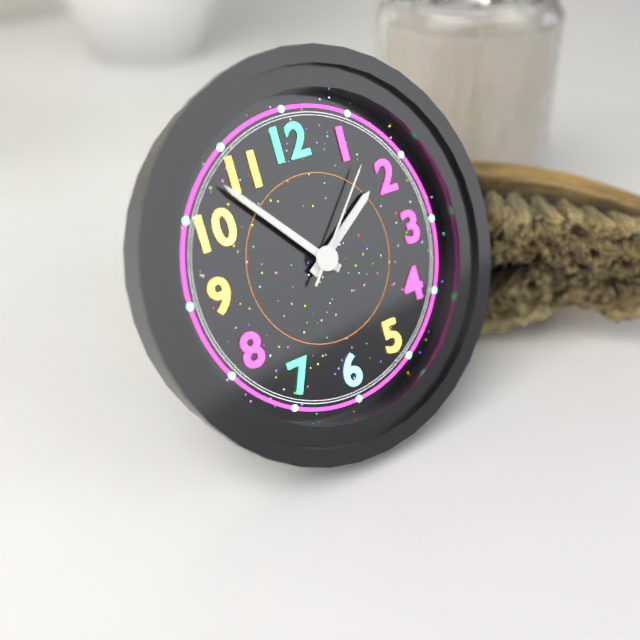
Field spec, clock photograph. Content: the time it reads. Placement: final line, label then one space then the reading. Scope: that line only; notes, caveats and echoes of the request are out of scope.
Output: 1:53:07
